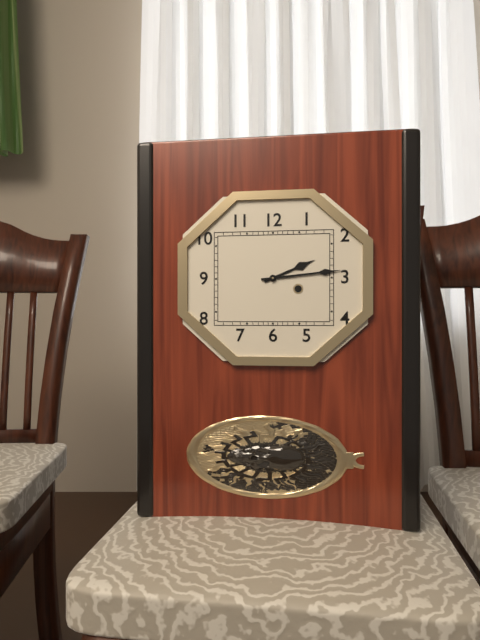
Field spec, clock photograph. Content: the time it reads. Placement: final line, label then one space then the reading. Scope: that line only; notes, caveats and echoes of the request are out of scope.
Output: 2:14
